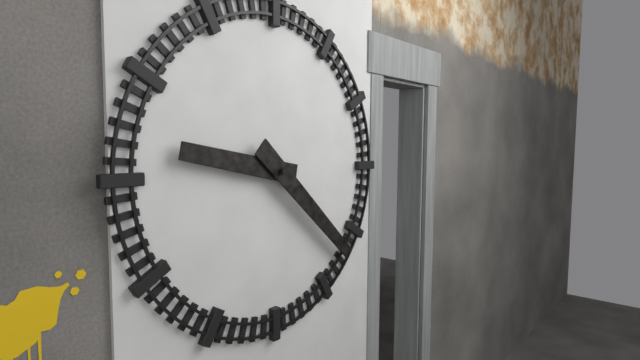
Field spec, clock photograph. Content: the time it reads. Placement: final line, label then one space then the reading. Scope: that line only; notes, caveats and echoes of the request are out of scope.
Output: 9:22
